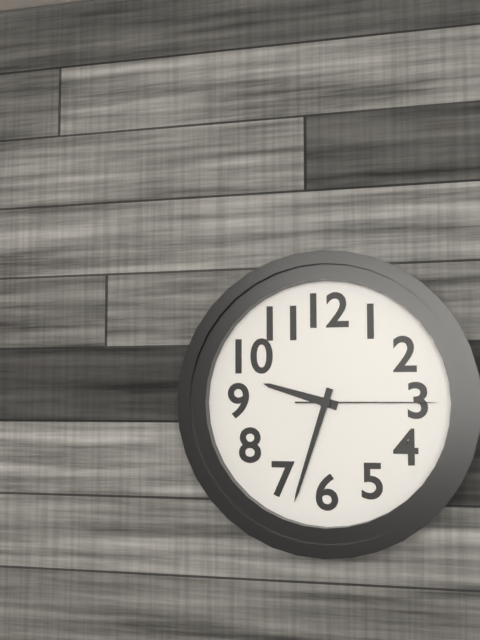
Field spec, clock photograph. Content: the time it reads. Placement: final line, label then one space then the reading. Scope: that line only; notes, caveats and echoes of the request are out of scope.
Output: 9:33:15
